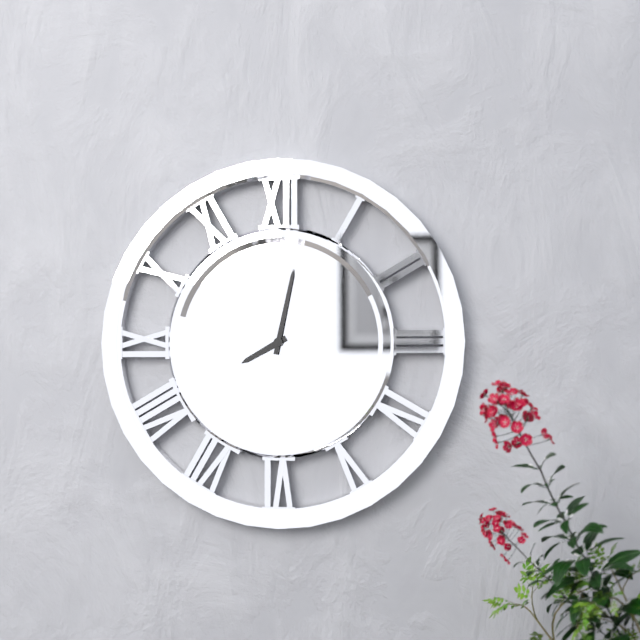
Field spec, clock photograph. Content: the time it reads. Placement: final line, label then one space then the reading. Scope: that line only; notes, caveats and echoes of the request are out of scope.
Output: 8:02
